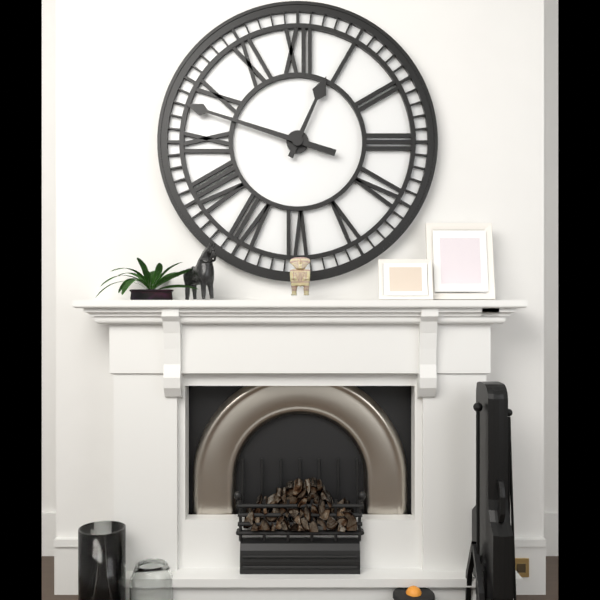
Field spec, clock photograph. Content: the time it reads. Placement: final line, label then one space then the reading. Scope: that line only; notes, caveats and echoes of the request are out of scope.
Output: 12:48
